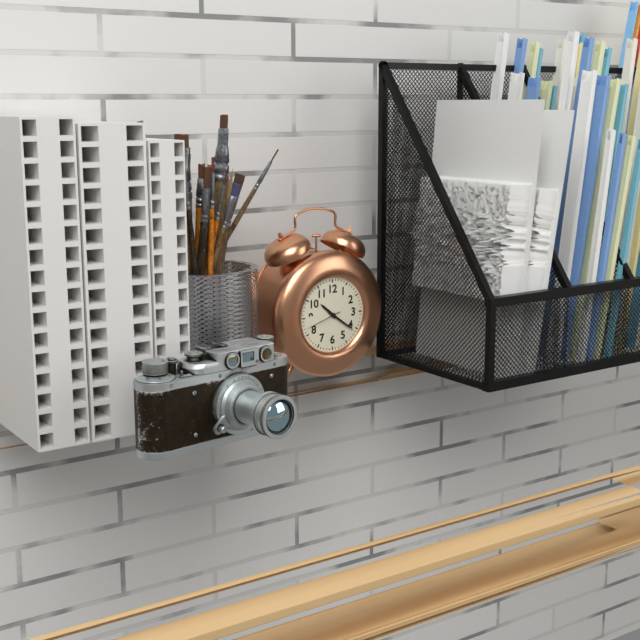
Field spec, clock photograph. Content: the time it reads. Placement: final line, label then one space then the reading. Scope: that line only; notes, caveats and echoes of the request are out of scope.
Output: 10:21
